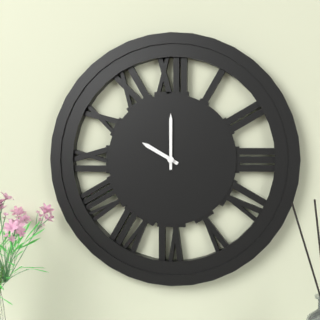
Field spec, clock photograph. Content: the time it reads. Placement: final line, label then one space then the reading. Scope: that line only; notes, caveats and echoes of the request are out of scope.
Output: 10:00
